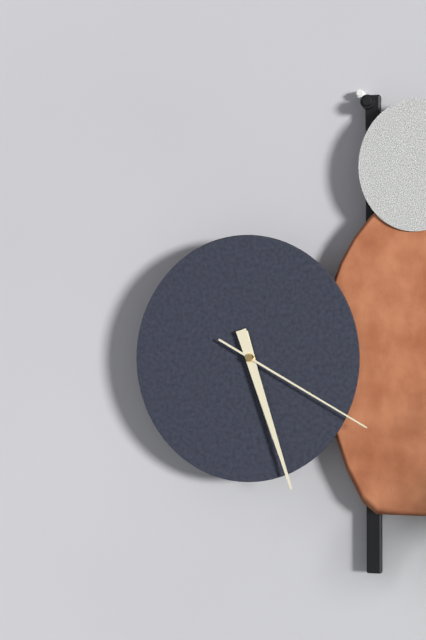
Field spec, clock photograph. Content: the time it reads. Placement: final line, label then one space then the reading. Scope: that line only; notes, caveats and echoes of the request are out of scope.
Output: 5:27:20
